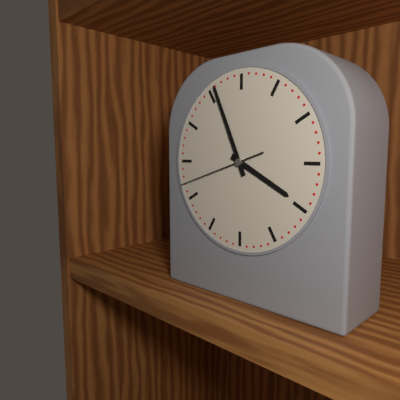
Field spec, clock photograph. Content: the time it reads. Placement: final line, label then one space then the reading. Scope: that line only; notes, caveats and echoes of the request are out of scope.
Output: 3:56:42
